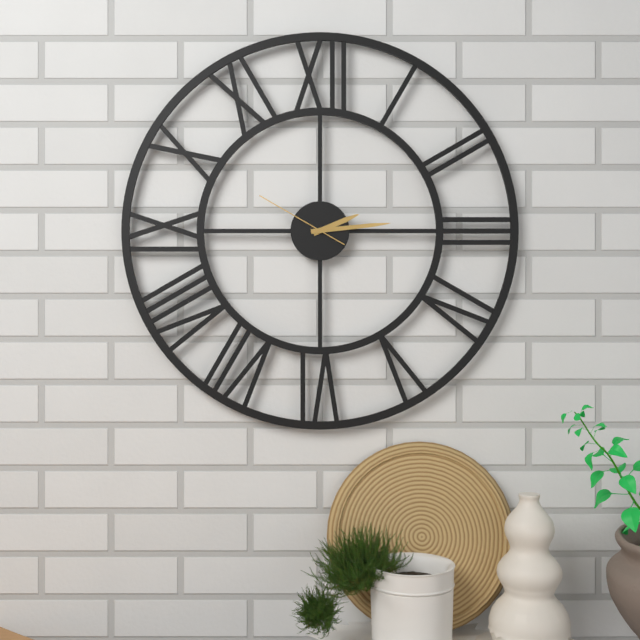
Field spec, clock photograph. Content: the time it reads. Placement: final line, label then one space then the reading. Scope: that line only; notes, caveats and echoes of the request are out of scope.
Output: 2:14:50
